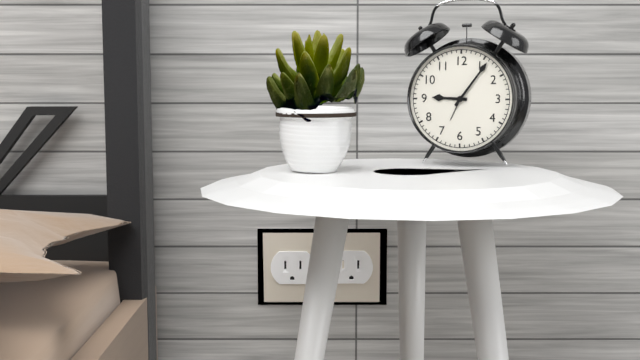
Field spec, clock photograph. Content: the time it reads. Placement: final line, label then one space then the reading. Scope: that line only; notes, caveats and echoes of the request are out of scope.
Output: 9:06
